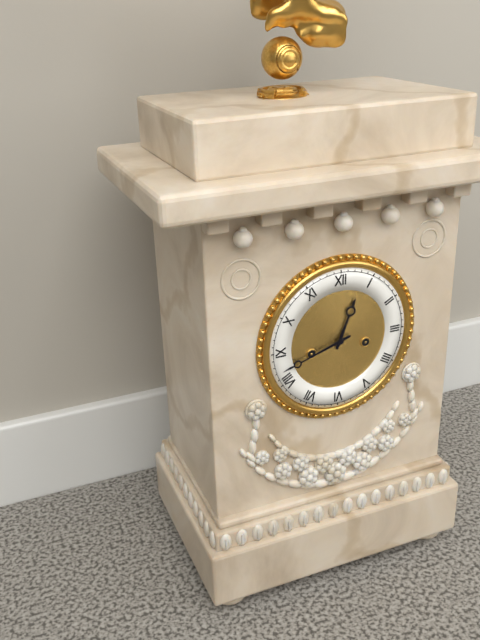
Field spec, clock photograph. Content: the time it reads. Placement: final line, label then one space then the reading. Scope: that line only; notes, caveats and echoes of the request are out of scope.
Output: 12:42
